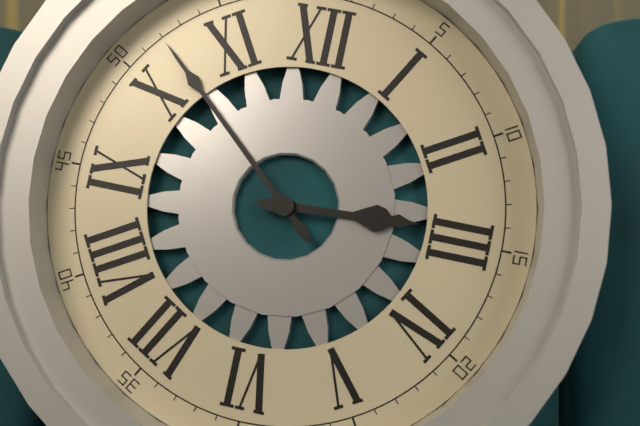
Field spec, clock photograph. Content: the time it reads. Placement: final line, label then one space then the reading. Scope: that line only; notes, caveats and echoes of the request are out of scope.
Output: 2:52
